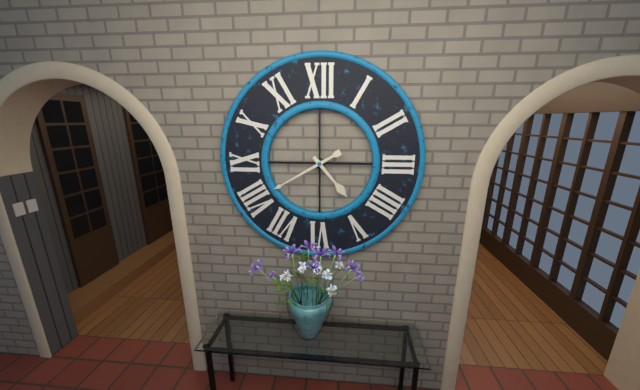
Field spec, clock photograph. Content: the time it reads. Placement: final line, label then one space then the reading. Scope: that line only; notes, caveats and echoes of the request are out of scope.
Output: 4:40
